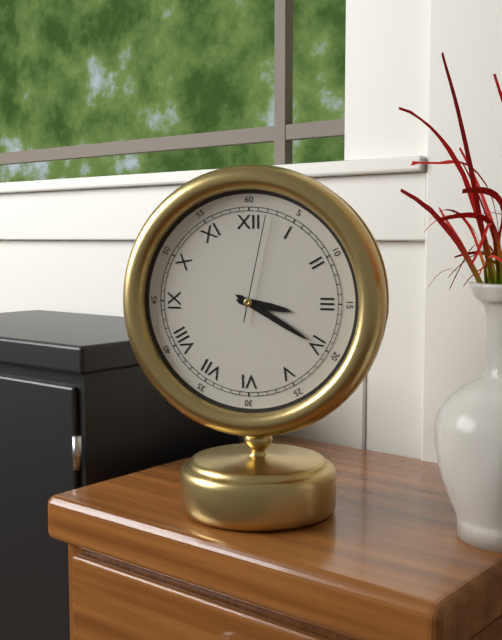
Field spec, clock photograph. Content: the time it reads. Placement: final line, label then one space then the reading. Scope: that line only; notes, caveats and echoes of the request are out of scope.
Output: 3:20:02
